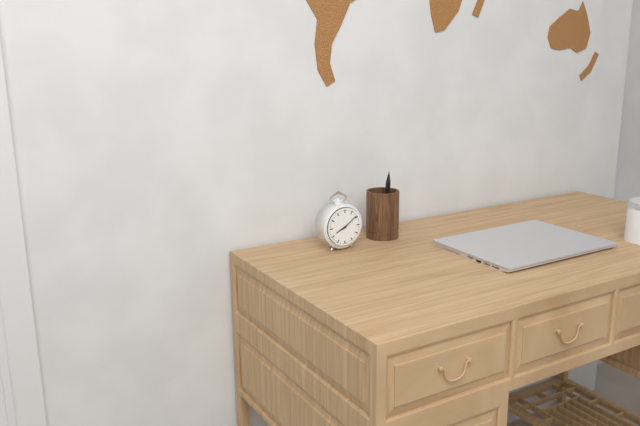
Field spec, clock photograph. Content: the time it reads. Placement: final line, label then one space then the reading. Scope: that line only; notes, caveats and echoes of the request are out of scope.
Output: 8:09
